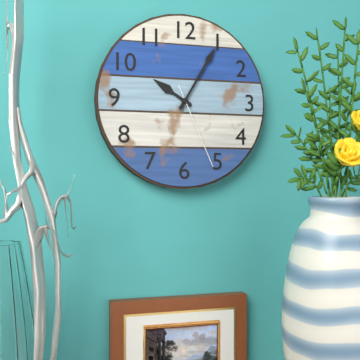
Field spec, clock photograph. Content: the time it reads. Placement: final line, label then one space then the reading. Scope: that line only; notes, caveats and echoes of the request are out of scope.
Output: 10:05:26
